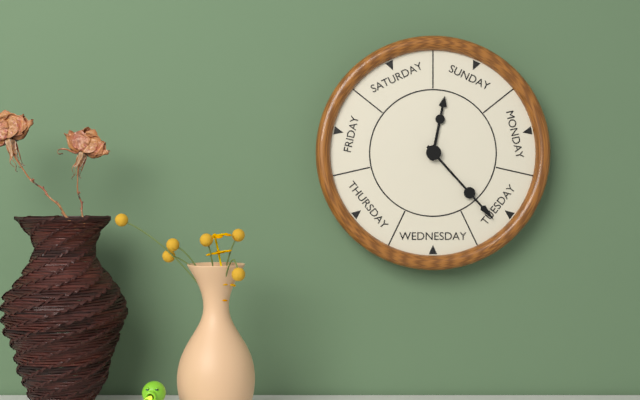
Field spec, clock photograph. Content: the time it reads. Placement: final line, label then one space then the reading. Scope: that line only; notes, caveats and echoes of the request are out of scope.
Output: 12:23
